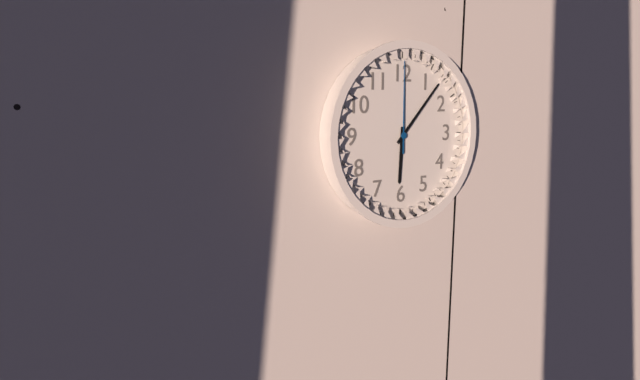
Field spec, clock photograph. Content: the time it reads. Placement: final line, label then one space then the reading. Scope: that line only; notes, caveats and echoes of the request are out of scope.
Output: 6:07:00
